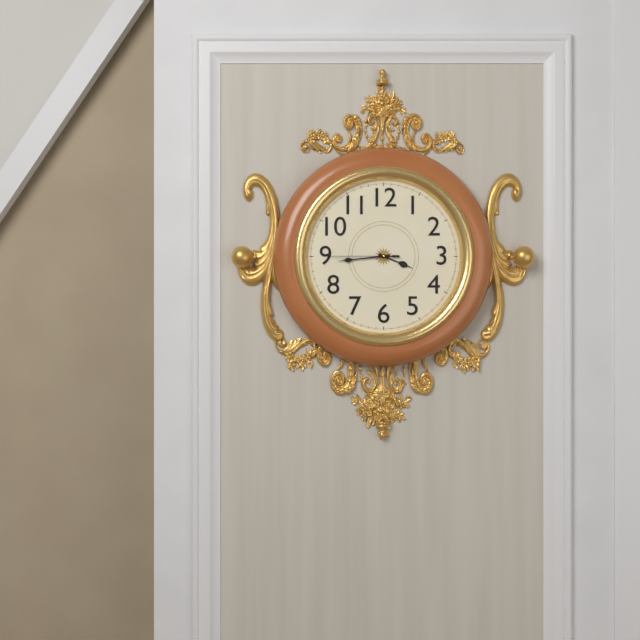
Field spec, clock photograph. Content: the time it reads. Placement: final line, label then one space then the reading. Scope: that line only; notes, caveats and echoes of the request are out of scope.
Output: 3:44:45
